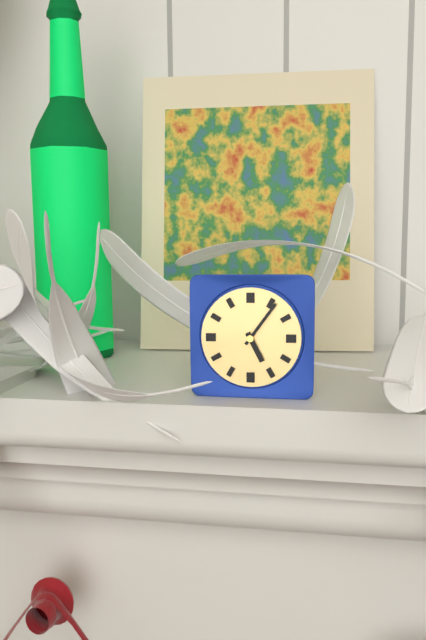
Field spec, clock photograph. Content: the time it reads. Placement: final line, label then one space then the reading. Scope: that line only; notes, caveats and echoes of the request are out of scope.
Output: 5:06
